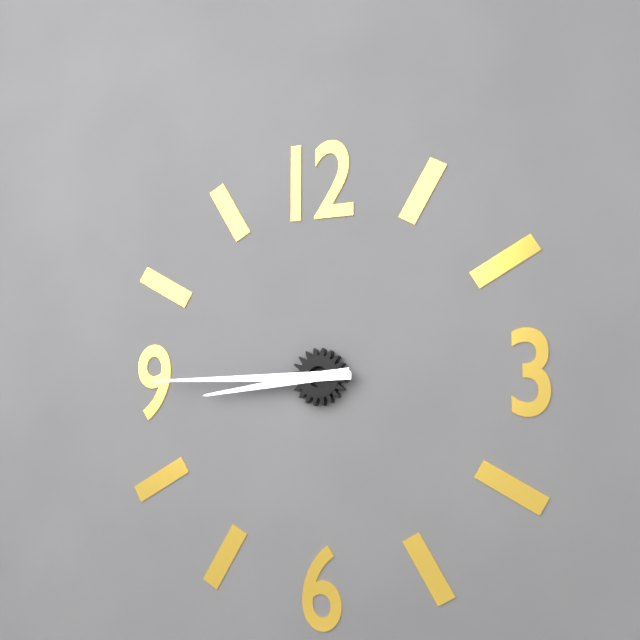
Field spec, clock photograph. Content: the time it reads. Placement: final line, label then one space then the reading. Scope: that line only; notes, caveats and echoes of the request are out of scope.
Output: 8:45
